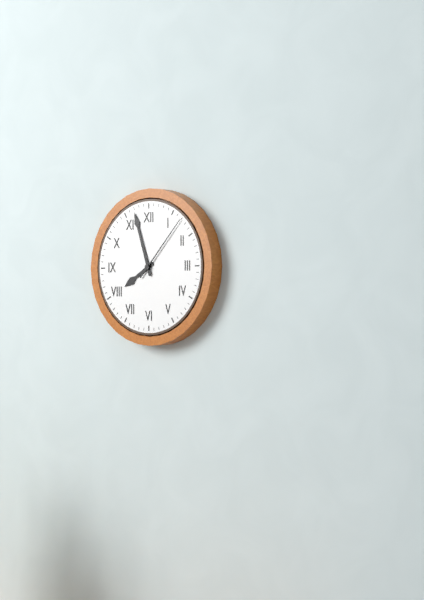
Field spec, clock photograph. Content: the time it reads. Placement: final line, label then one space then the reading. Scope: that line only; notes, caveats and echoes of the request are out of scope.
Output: 7:57:07
